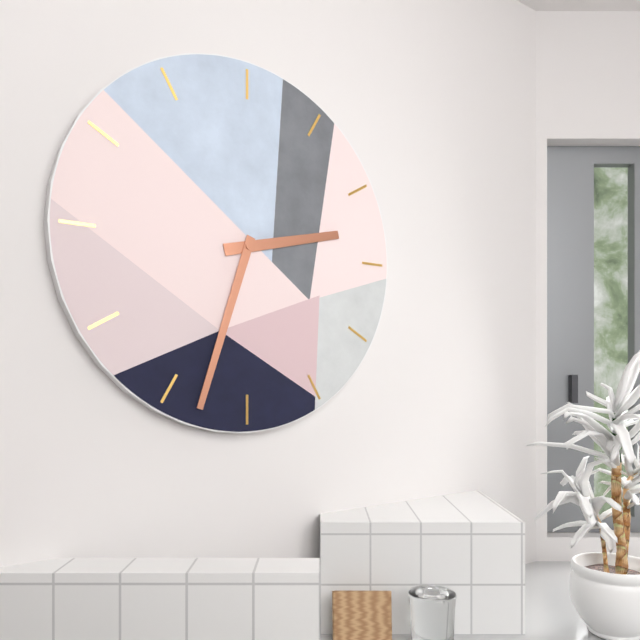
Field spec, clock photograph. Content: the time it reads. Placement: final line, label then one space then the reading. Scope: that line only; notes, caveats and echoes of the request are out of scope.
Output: 2:33
